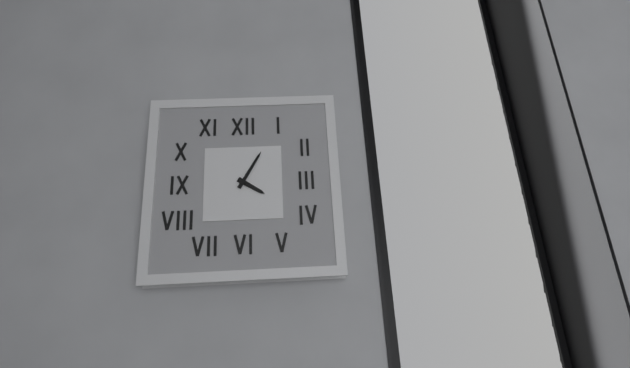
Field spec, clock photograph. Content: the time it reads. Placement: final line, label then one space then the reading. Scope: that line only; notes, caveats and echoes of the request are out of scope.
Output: 4:05
